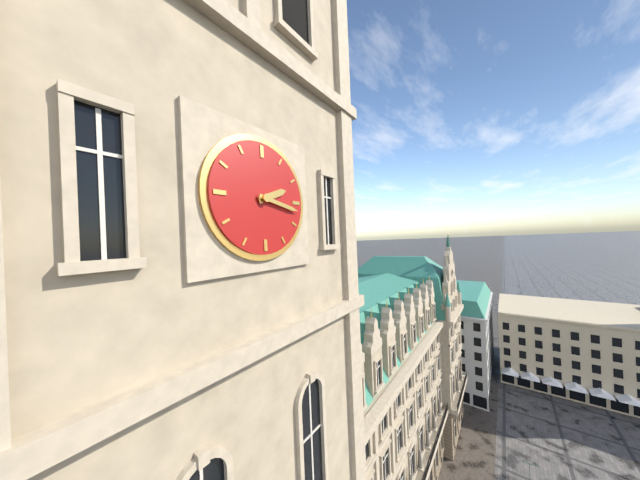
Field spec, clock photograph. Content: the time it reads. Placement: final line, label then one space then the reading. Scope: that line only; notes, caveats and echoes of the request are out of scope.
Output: 2:17
